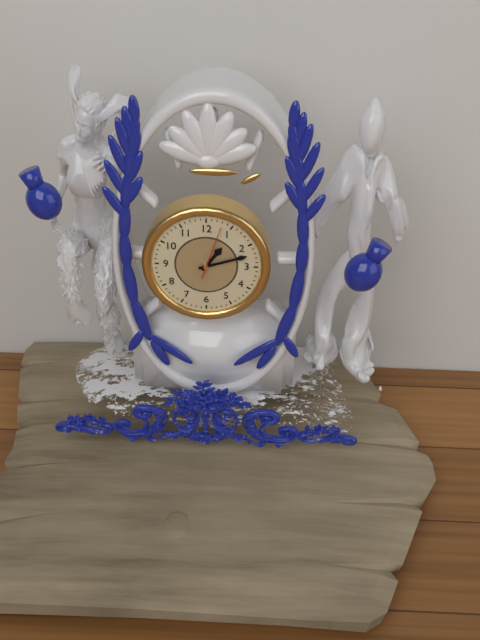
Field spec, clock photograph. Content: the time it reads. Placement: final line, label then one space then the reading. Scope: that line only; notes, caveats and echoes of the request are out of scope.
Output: 1:12:03
